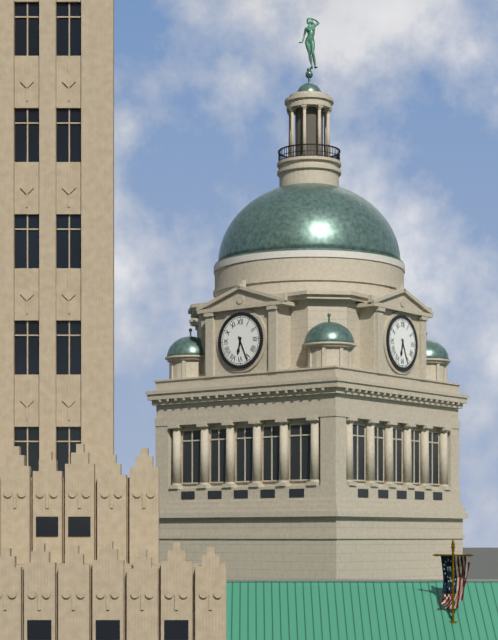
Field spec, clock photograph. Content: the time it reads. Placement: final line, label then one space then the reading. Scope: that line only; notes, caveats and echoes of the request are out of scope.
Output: 6:26
